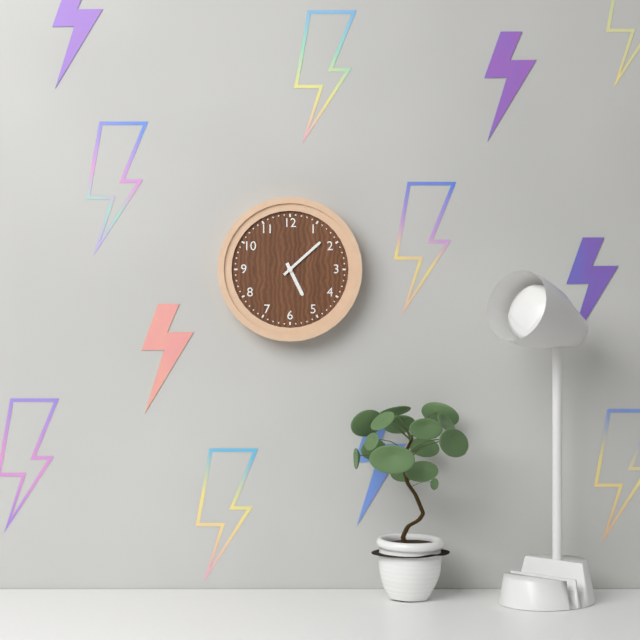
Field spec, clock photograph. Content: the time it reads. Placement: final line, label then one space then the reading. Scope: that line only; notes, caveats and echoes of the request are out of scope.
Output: 5:08
